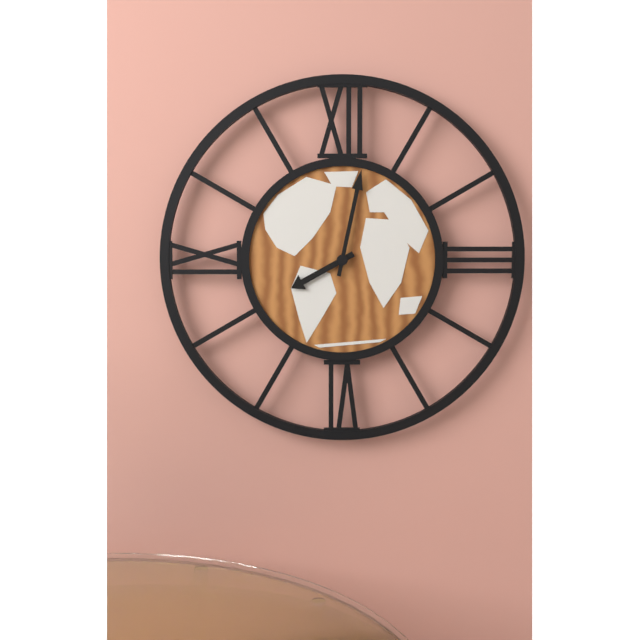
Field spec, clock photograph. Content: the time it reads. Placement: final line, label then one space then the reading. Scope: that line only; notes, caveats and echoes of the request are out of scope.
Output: 8:02
